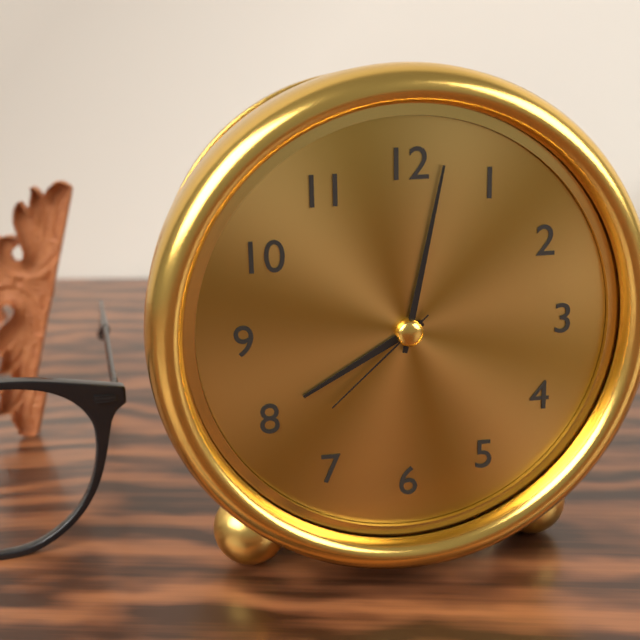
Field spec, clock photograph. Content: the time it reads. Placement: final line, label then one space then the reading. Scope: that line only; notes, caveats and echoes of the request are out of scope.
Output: 8:02:38
